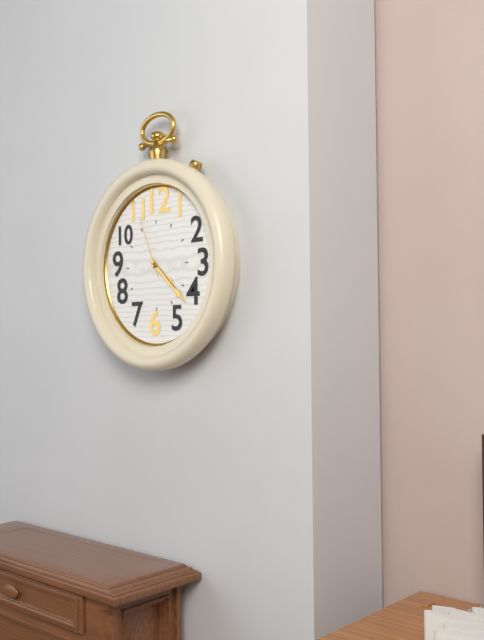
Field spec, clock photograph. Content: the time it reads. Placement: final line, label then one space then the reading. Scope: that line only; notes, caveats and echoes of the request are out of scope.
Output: 4:22:56
